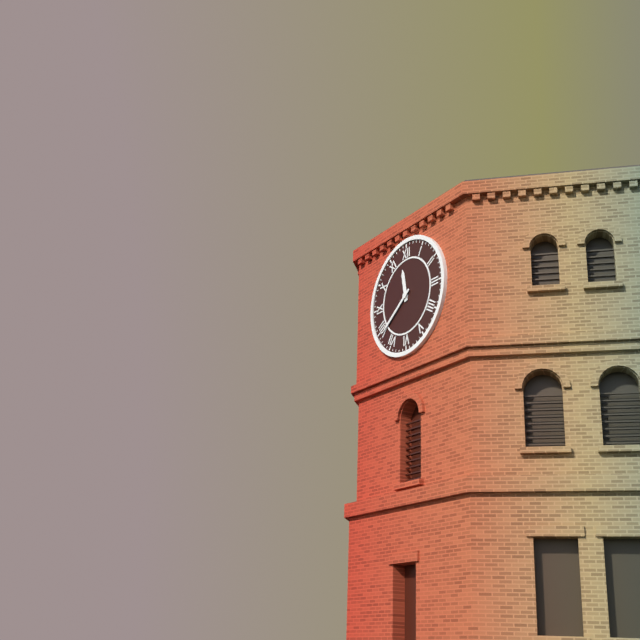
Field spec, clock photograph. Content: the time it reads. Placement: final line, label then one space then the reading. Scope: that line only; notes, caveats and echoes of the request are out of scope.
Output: 11:39
